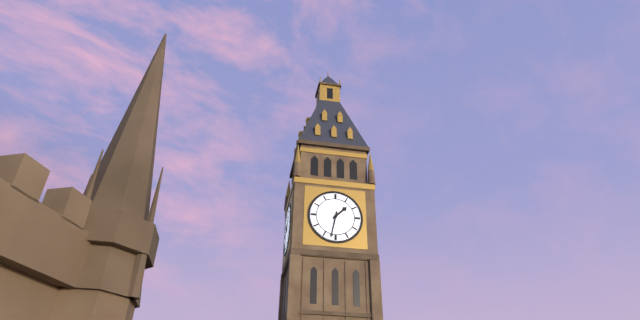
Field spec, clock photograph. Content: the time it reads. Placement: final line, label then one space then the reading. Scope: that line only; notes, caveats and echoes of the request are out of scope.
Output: 1:32
